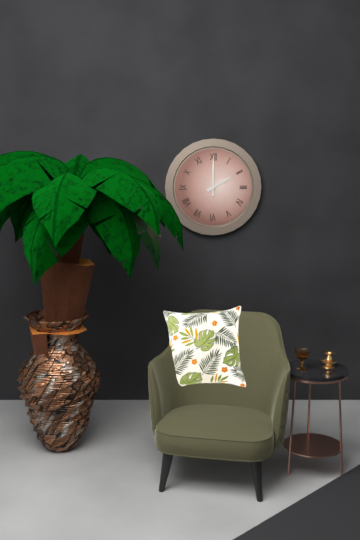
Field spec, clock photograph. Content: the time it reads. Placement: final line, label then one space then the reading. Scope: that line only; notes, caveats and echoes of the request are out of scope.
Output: 2:00
